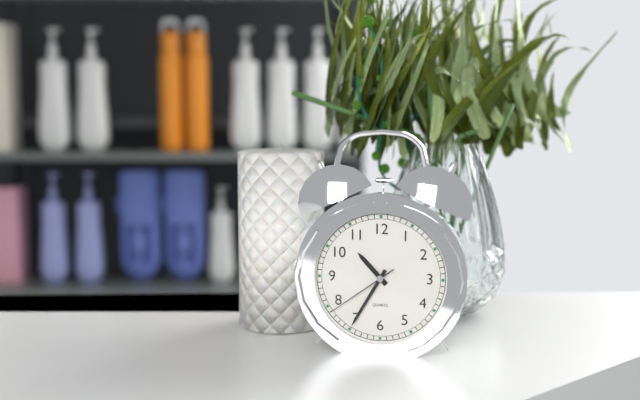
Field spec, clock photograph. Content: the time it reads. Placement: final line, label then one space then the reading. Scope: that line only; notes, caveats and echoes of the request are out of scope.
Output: 10:35:39
